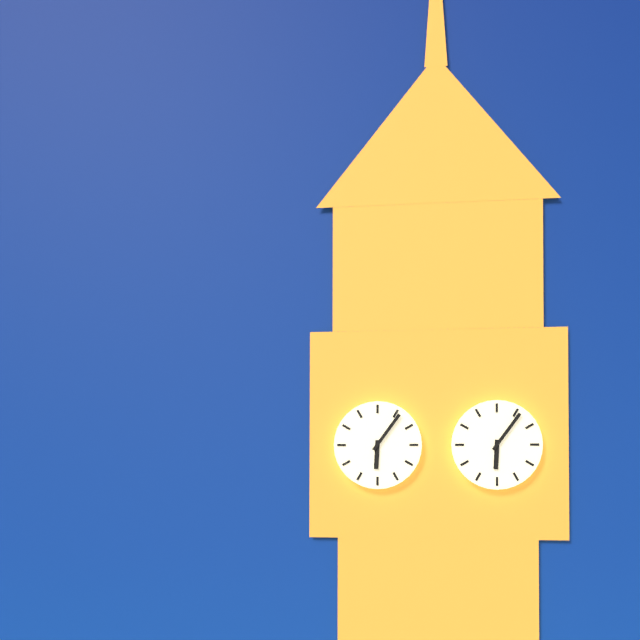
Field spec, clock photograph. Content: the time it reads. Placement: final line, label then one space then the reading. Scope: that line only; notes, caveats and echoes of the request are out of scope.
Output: 6:06
